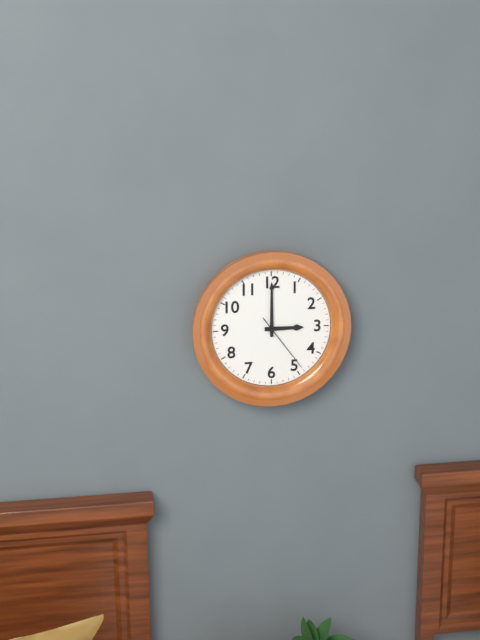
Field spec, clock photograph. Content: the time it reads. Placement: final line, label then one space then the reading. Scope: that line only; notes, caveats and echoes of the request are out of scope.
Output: 3:00:24
